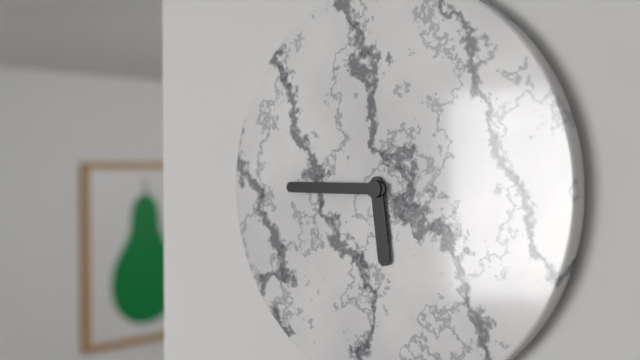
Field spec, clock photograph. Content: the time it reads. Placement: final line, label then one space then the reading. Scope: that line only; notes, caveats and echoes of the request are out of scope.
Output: 5:45
